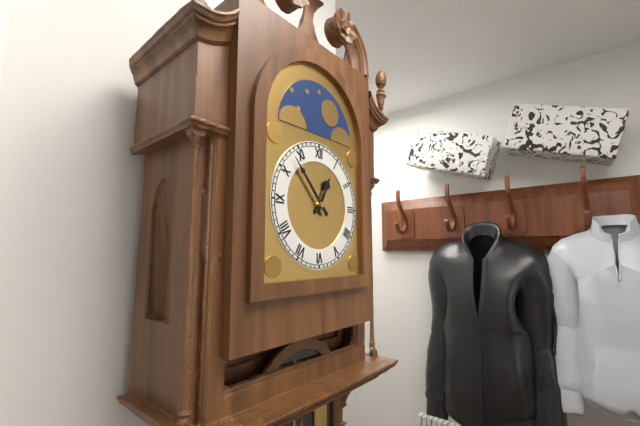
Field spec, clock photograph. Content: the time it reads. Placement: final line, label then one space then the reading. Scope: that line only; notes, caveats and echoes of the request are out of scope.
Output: 12:53
